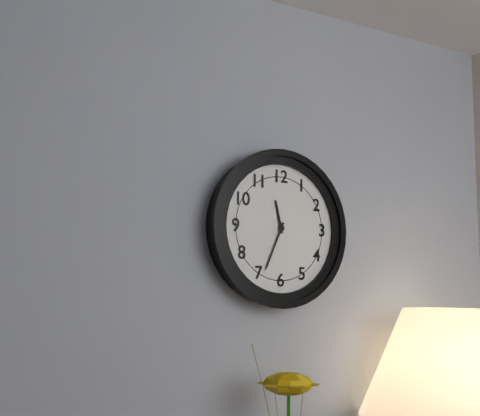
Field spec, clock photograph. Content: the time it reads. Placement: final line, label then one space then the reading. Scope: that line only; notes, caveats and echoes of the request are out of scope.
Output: 11:34
